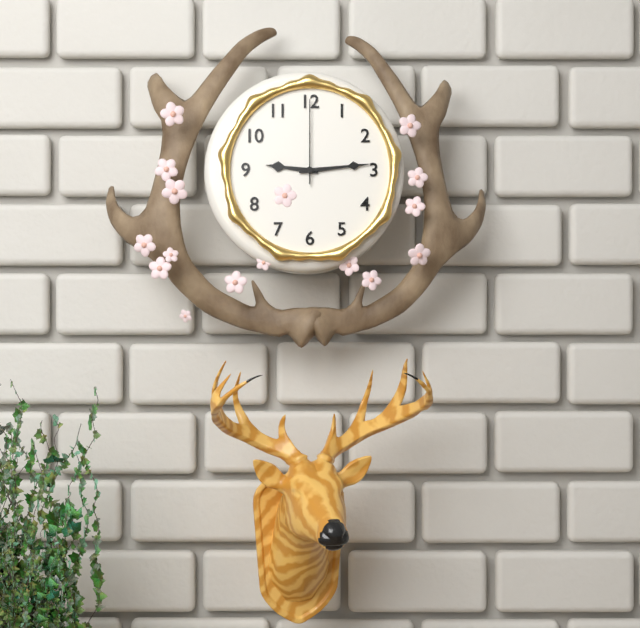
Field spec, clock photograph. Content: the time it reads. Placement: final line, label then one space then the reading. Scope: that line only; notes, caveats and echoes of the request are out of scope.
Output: 9:14:00
